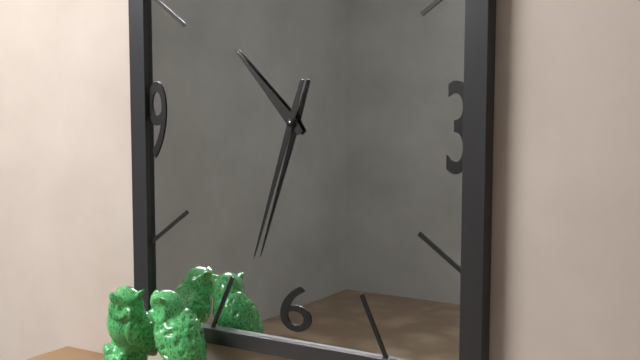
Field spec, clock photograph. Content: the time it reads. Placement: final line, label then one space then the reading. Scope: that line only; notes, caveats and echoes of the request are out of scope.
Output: 10:33
